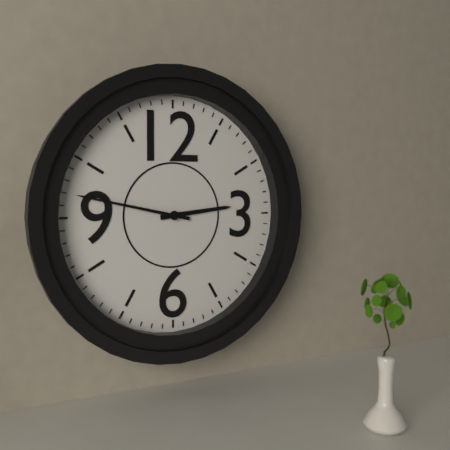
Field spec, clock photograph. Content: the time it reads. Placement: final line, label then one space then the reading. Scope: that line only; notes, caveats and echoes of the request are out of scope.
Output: 2:47
